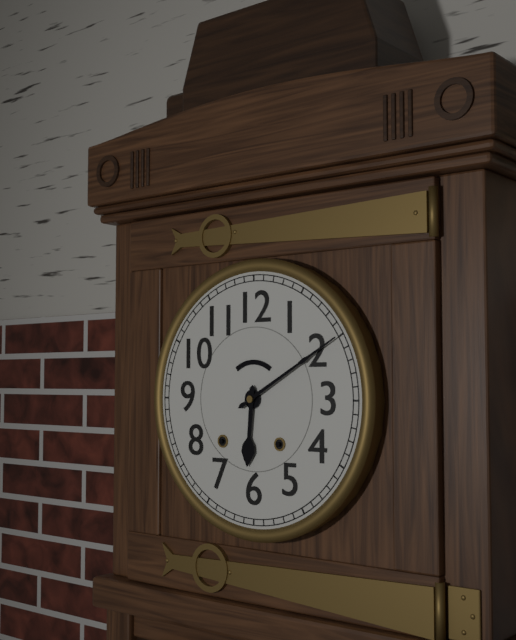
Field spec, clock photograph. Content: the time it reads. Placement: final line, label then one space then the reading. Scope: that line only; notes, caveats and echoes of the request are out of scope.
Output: 6:10
